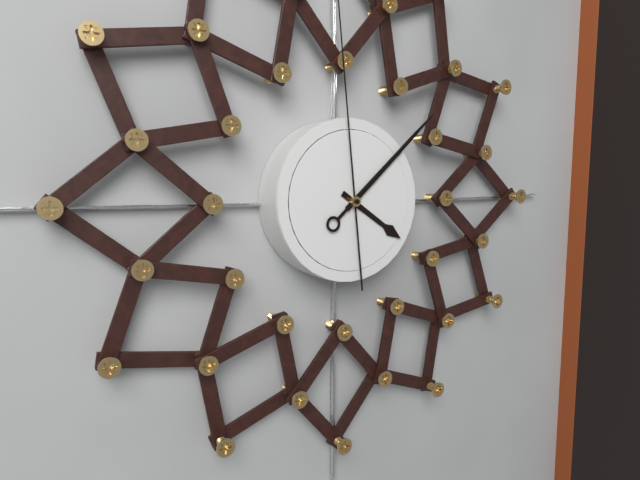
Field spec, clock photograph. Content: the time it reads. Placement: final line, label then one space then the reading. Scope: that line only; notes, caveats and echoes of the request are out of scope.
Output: 4:08:59
